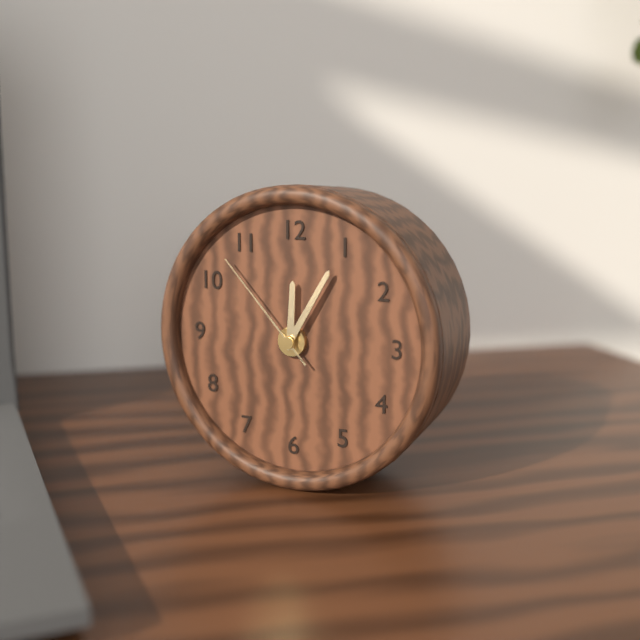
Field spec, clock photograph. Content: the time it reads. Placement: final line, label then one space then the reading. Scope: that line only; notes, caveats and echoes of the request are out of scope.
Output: 12:05:53
